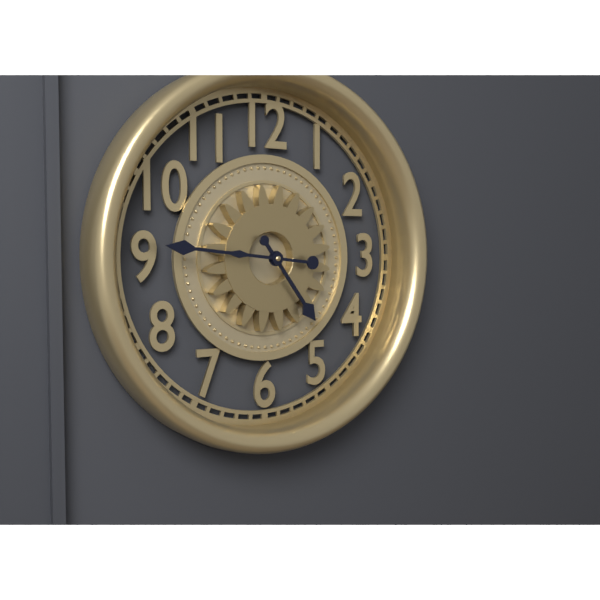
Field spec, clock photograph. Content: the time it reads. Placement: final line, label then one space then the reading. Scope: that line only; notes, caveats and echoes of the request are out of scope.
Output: 4:46
